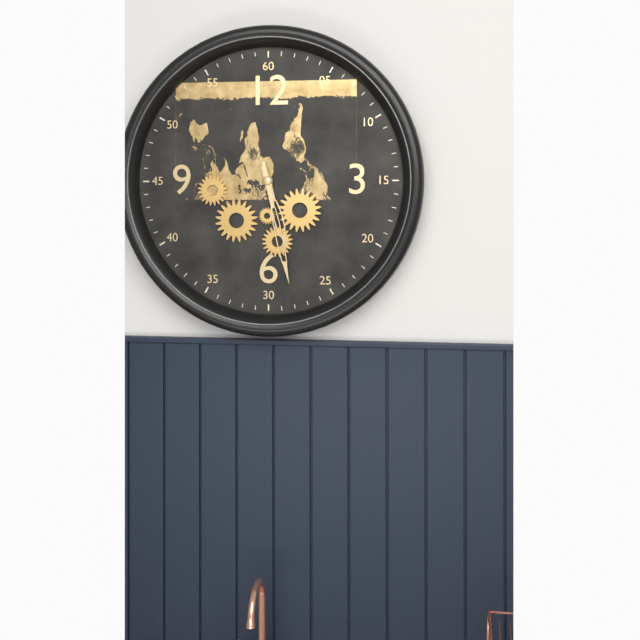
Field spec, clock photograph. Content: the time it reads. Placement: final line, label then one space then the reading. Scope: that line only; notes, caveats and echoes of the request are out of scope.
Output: 5:28
